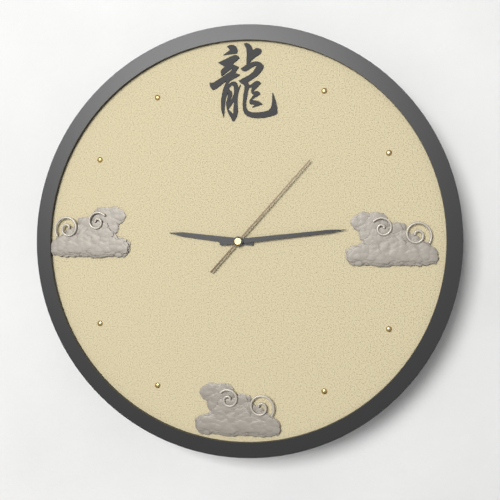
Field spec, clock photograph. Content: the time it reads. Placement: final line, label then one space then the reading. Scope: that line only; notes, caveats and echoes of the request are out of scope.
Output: 9:14:07
